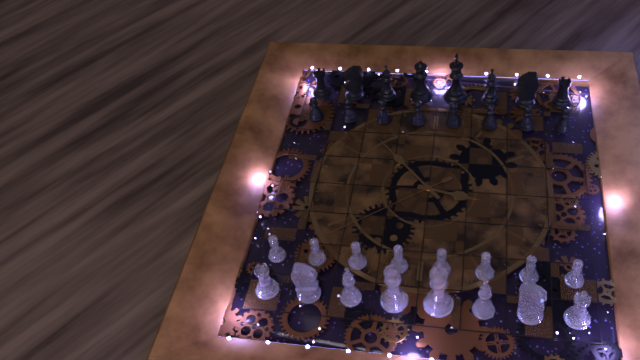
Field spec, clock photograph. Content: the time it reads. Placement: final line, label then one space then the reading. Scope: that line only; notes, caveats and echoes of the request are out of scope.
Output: 9:23:09
